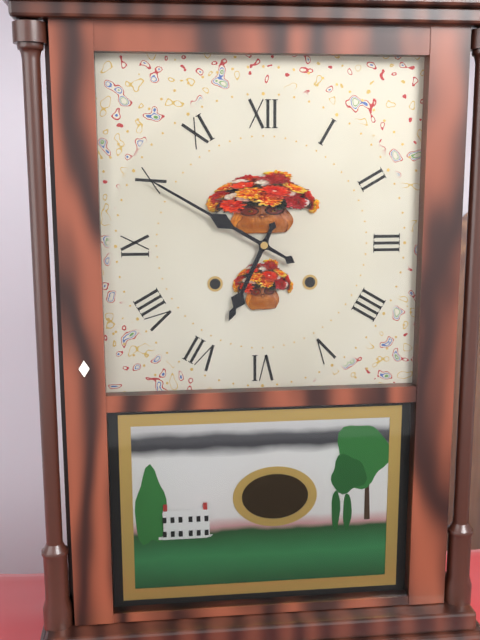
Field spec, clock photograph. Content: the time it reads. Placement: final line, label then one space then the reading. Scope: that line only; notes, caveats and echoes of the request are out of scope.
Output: 6:50
